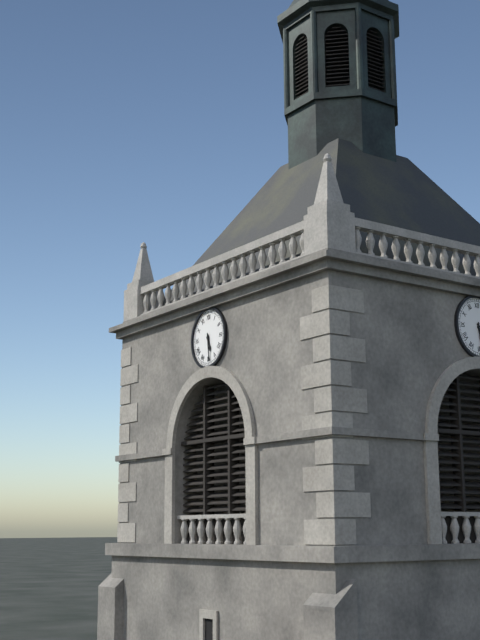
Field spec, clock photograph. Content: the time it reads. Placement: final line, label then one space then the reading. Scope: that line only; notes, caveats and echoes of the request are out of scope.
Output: 5:29
